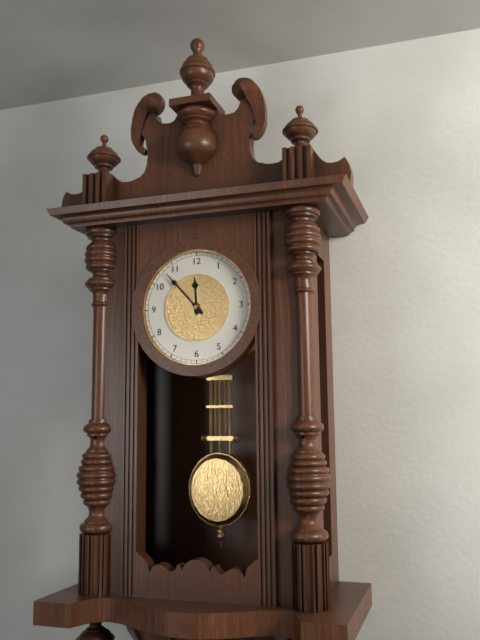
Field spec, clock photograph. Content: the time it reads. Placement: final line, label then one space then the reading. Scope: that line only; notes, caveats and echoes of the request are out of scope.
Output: 11:53
